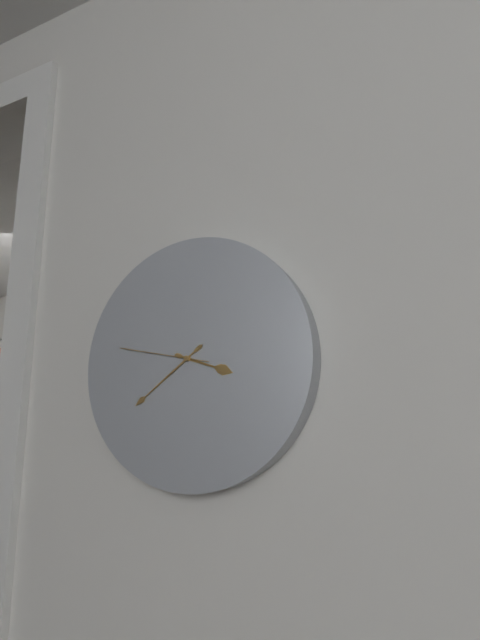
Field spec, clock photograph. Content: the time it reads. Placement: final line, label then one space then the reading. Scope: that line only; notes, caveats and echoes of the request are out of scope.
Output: 3:39:47
